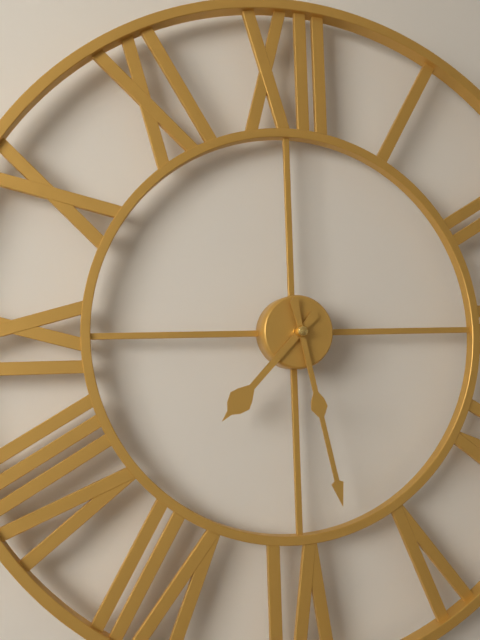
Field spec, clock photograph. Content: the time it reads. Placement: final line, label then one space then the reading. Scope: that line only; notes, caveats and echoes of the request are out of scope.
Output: 7:28
